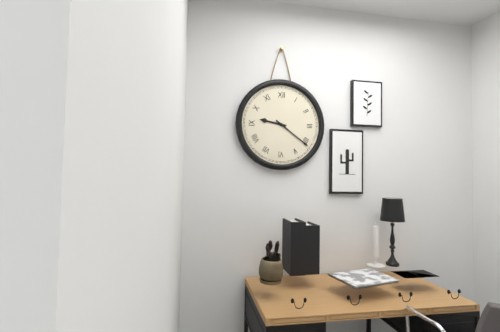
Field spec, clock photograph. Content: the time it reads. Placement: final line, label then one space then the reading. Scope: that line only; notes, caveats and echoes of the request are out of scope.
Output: 9:21
